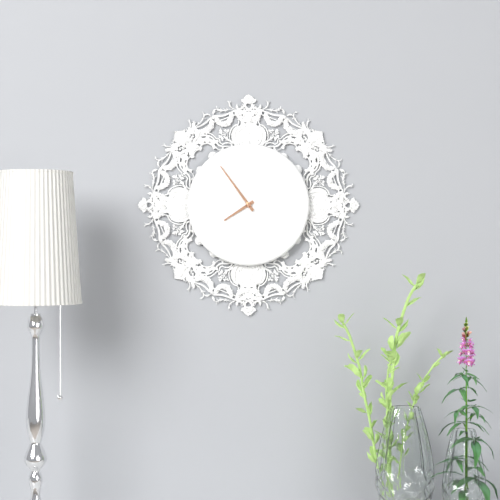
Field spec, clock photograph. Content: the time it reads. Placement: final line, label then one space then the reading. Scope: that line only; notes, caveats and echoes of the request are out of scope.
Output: 7:54
